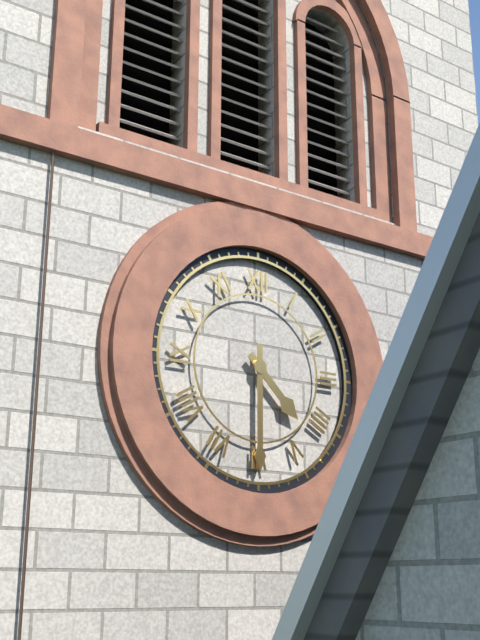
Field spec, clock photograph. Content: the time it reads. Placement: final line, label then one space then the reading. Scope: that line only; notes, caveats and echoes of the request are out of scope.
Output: 4:30
